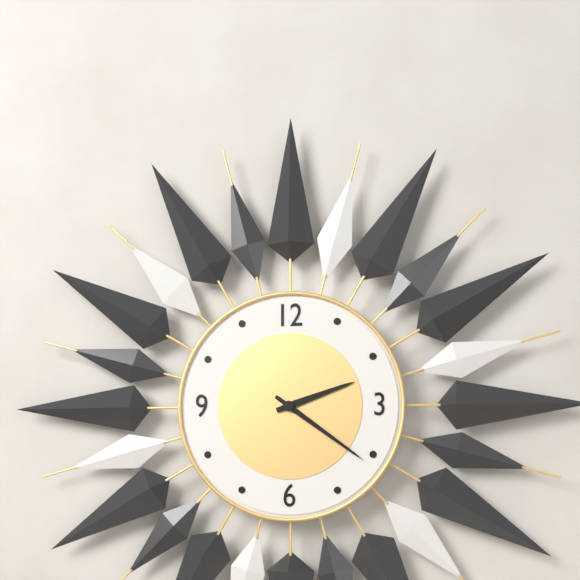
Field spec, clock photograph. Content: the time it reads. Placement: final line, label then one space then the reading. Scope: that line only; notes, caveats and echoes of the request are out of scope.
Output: 2:21
